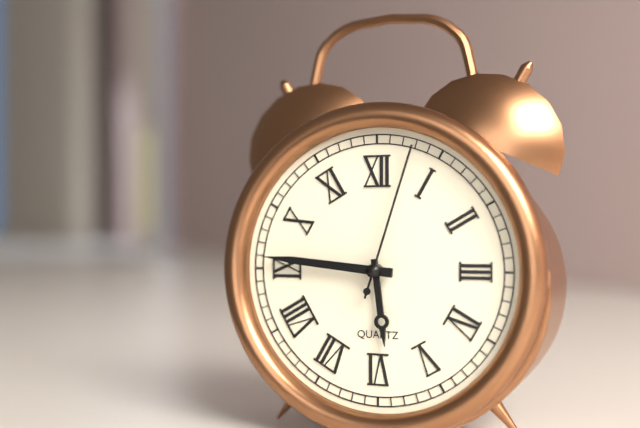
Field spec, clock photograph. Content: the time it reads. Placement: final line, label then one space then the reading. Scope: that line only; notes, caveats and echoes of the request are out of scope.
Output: 5:46:03
